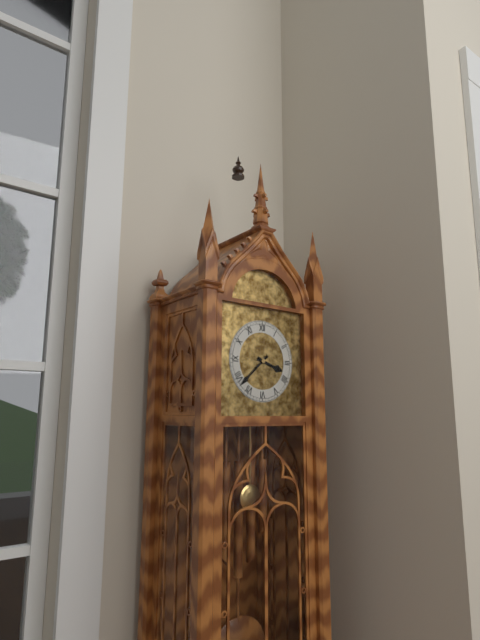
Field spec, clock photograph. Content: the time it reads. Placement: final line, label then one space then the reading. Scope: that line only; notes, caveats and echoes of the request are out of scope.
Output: 3:38
